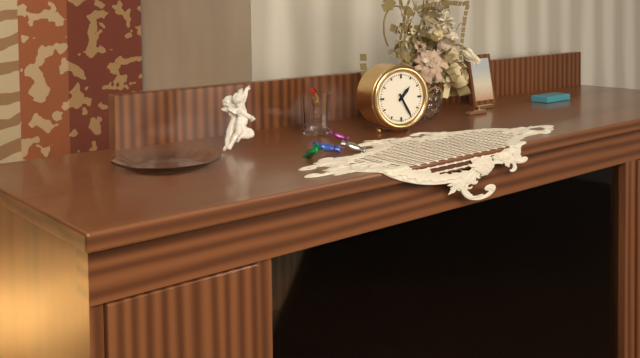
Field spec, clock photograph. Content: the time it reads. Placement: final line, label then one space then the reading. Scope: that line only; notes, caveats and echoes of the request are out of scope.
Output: 1:25
